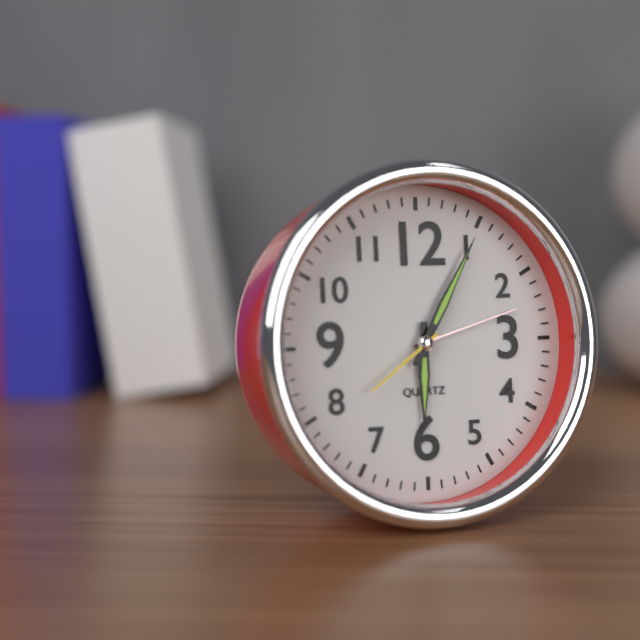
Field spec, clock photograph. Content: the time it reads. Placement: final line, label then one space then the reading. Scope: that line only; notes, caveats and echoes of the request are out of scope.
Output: 6:05:39
